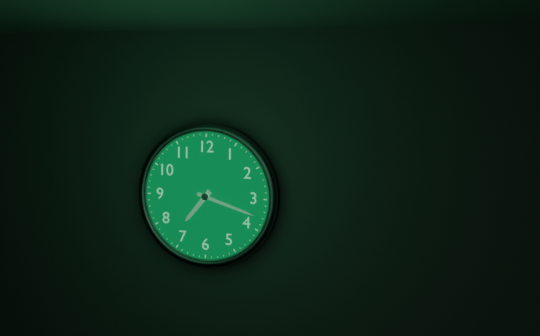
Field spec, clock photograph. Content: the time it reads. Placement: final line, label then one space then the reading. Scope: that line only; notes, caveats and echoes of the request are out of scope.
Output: 7:18
